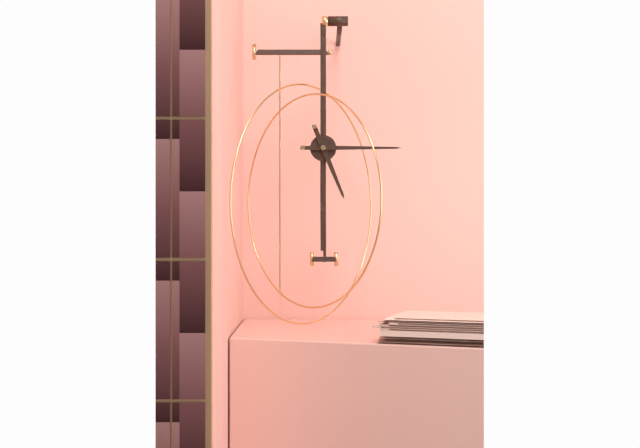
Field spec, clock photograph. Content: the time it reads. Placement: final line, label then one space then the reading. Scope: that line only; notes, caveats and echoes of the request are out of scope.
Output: 5:15
